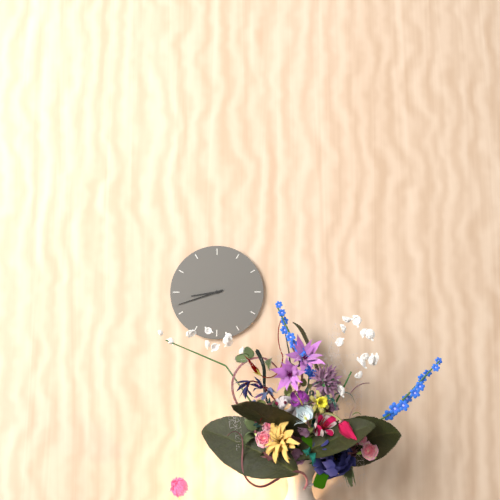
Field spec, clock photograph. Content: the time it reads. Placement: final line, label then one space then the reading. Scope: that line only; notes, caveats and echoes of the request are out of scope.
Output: 8:42
